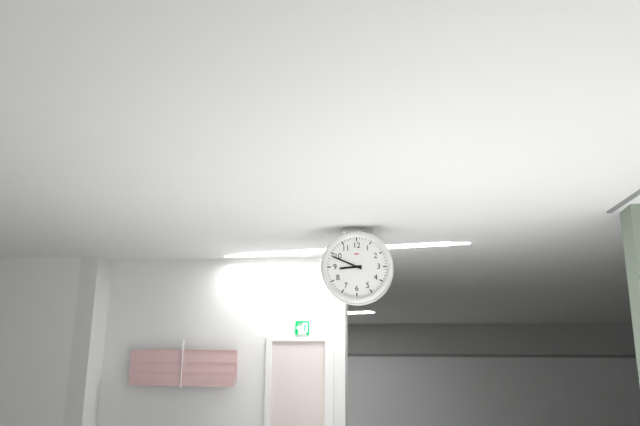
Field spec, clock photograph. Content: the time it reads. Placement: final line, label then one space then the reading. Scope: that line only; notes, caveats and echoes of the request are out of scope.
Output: 8:49
